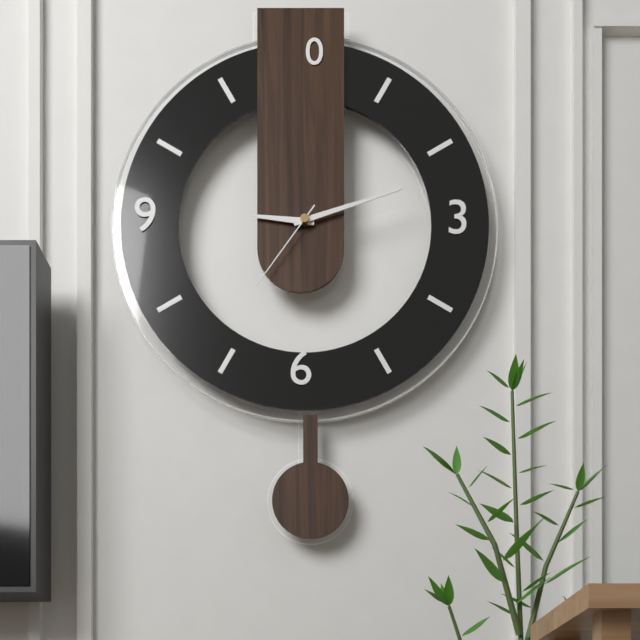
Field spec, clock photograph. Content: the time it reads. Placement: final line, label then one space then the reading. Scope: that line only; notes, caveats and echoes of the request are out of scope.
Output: 9:12:36
